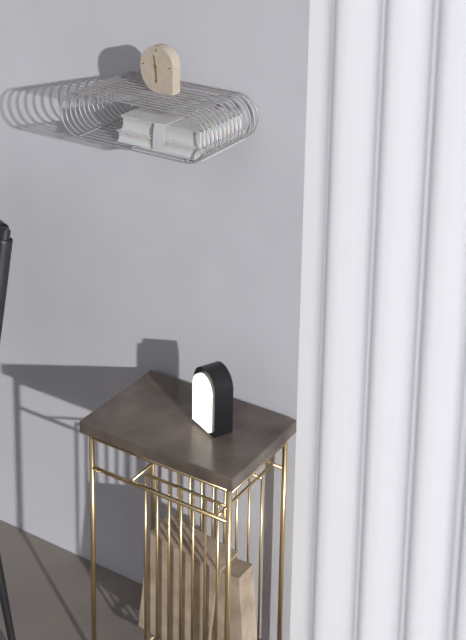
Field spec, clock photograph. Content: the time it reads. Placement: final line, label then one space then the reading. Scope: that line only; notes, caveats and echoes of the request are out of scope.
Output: 11:29
